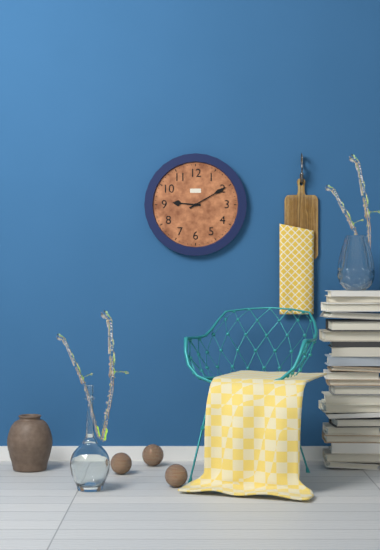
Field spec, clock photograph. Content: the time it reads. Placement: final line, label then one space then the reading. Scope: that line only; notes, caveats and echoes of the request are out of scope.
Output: 9:10
